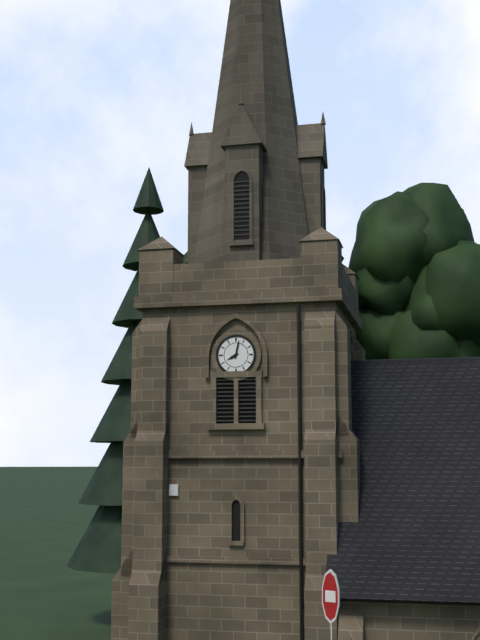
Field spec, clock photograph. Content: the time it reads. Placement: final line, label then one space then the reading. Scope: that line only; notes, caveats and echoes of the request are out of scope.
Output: 8:02
